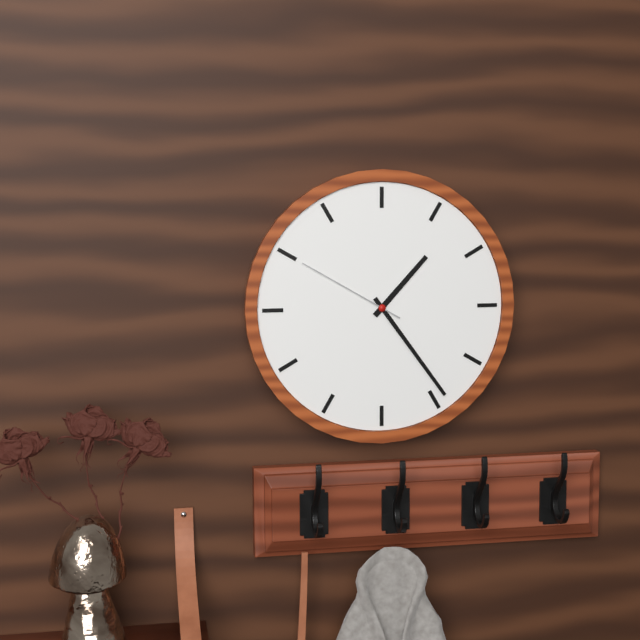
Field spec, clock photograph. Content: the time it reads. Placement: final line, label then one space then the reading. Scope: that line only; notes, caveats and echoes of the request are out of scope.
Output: 1:24:50
